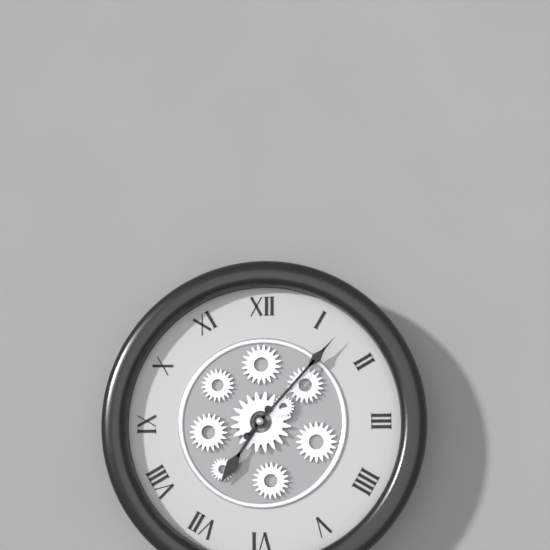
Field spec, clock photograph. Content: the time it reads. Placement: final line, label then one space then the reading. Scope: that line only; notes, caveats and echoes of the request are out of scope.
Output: 7:07
